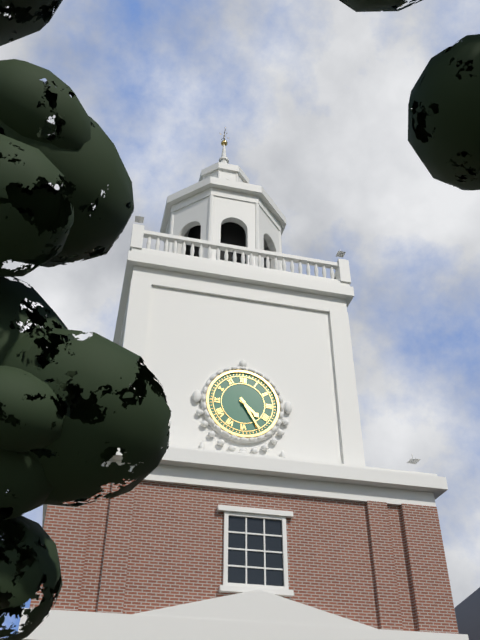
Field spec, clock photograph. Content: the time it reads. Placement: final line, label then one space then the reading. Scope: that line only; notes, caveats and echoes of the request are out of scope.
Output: 4:25
